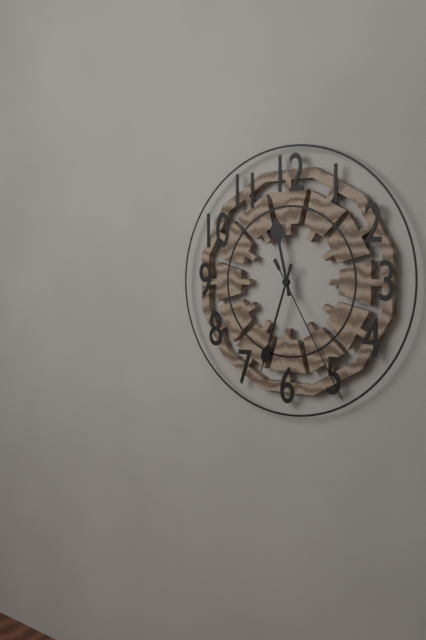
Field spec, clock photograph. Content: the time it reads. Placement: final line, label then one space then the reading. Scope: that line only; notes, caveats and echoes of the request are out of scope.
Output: 11:33:25
